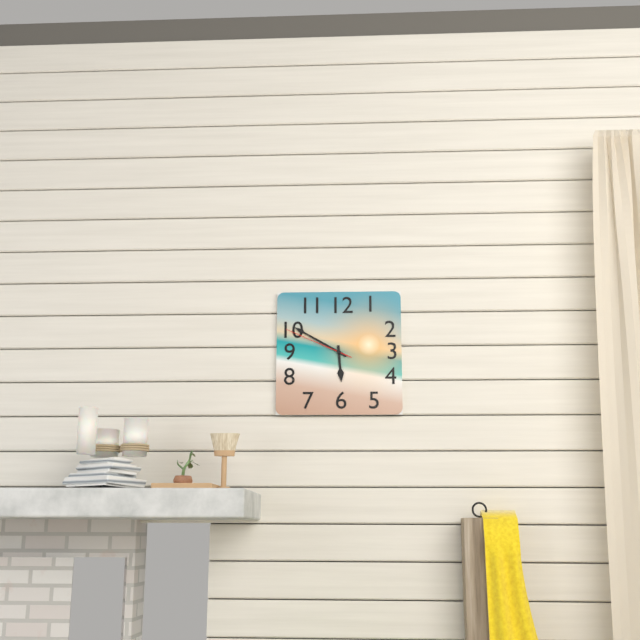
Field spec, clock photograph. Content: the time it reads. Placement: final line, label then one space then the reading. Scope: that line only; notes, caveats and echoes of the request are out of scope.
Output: 5:50:49
